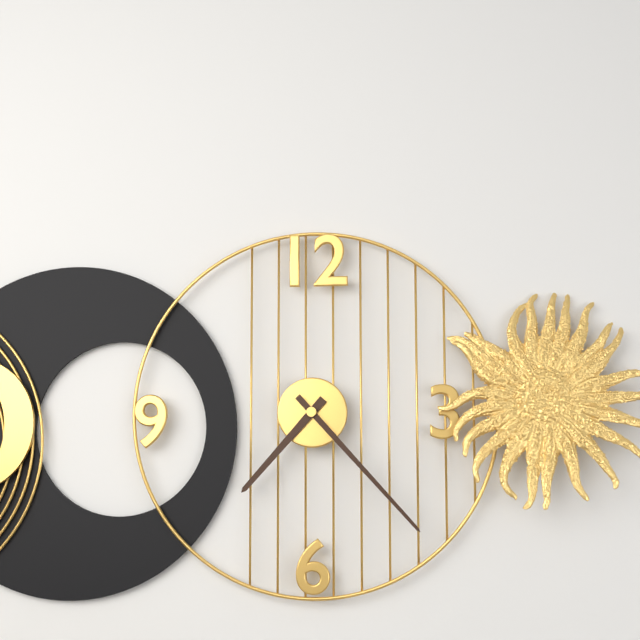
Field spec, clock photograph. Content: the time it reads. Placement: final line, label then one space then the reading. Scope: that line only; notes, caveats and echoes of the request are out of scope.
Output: 7:23
